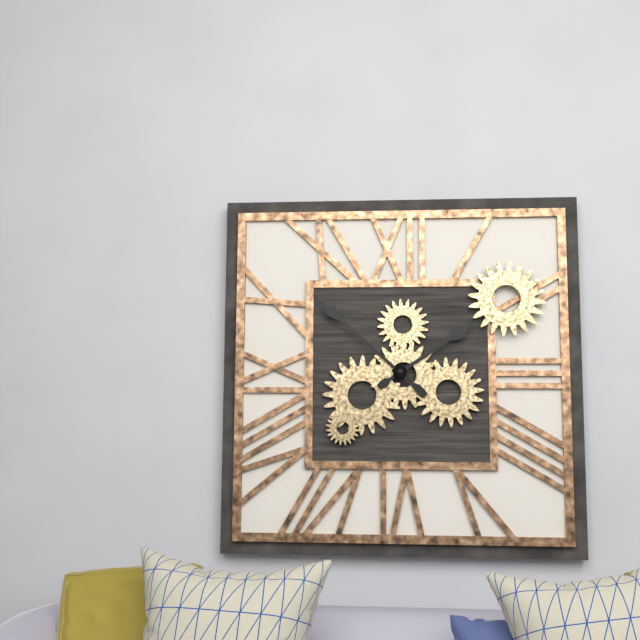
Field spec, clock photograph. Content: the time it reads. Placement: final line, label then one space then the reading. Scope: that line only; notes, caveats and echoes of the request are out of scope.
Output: 1:52
